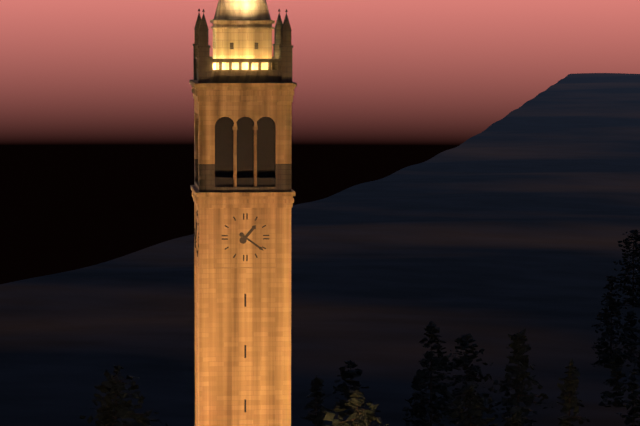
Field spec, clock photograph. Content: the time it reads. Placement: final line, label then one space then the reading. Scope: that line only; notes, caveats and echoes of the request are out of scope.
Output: 1:21
